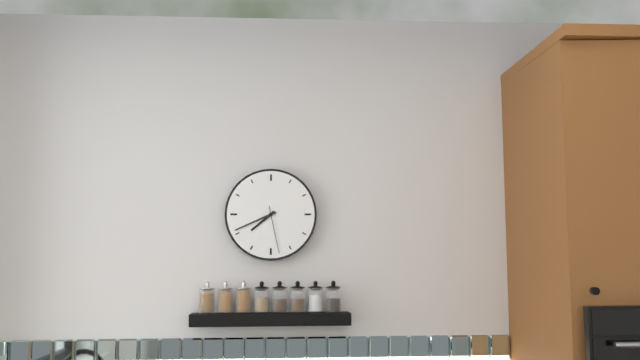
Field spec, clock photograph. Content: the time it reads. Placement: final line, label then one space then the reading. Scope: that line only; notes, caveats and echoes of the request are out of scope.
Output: 7:41
